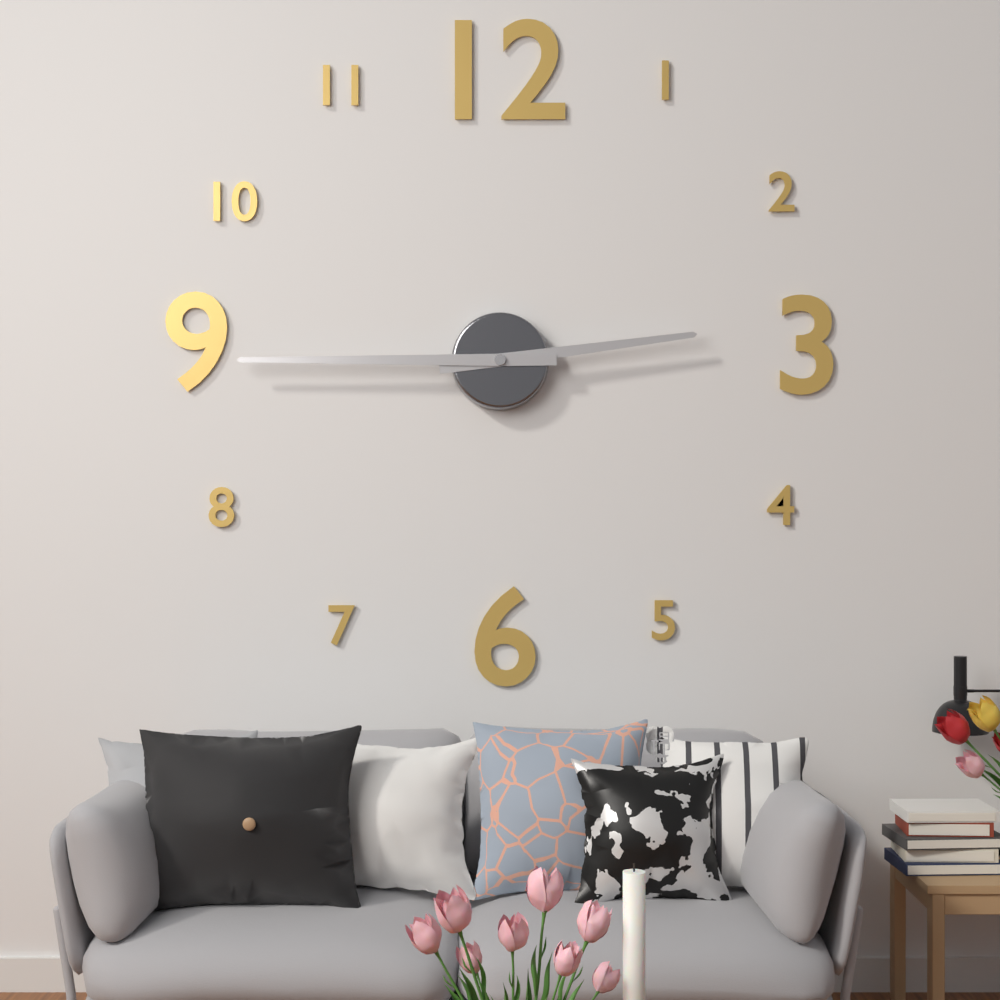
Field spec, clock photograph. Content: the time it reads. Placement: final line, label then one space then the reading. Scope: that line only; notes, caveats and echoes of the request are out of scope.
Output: 2:45
